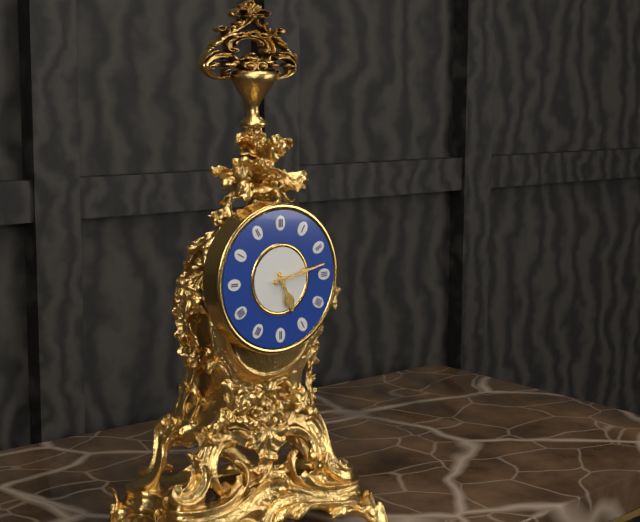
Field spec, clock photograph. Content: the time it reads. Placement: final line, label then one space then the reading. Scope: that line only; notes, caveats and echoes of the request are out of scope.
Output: 5:13
